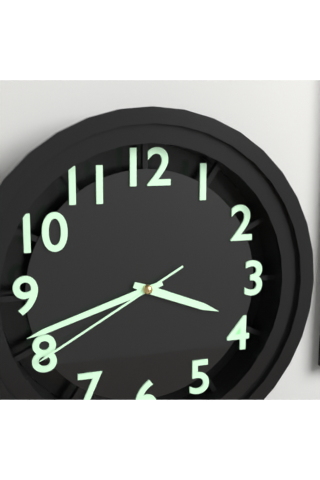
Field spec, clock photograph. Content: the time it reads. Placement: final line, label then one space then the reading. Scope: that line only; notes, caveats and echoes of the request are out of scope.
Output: 3:42:40
